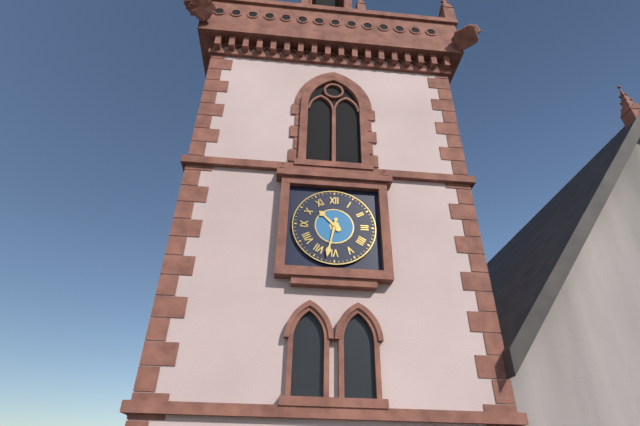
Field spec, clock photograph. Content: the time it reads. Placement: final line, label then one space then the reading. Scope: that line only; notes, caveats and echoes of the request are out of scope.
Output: 10:32
